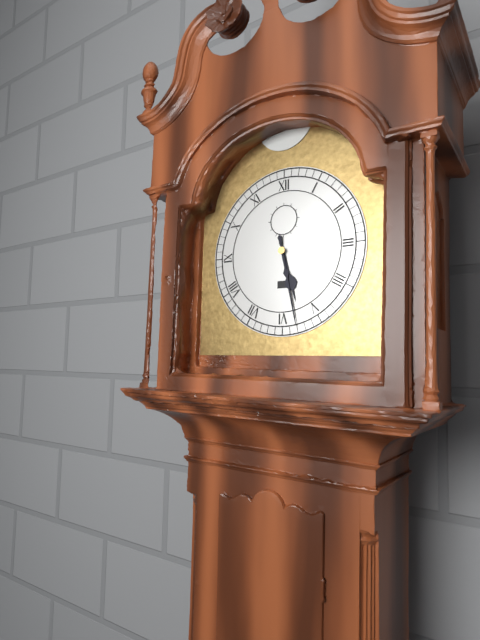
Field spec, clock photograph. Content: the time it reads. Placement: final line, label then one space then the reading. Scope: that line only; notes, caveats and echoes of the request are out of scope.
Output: 5:28
